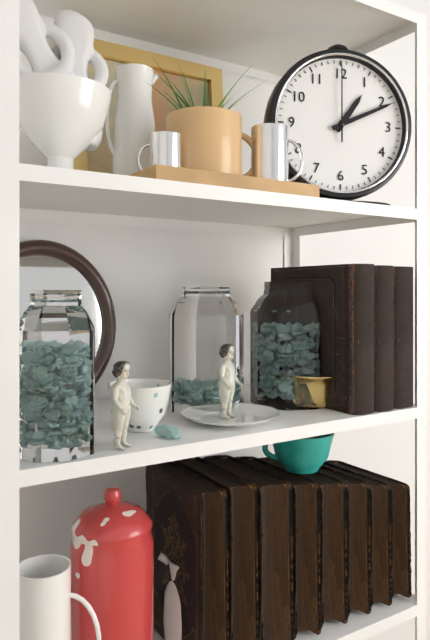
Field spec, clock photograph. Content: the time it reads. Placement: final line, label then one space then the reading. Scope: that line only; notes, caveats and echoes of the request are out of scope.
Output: 1:11:00
